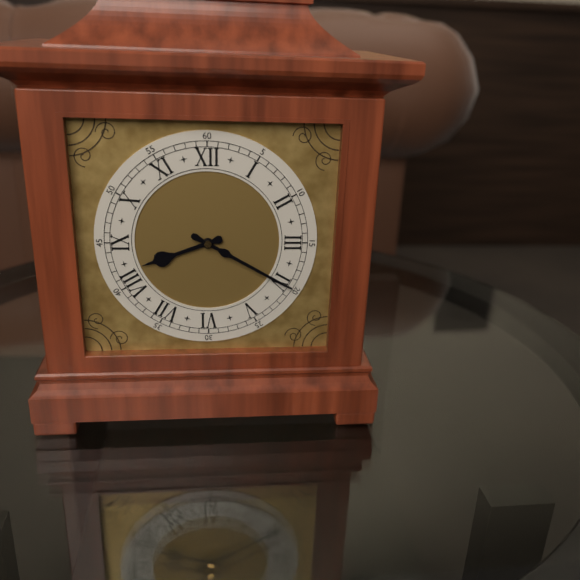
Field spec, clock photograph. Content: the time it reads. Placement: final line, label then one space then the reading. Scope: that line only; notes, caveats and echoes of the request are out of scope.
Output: 8:20
